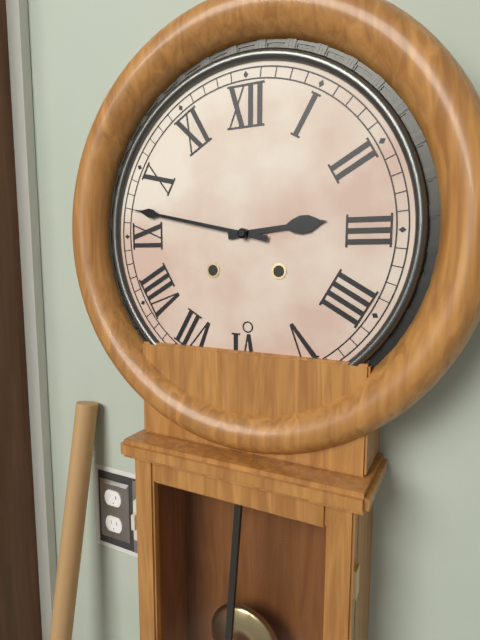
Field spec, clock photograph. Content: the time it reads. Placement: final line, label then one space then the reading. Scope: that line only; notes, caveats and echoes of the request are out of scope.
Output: 2:47
